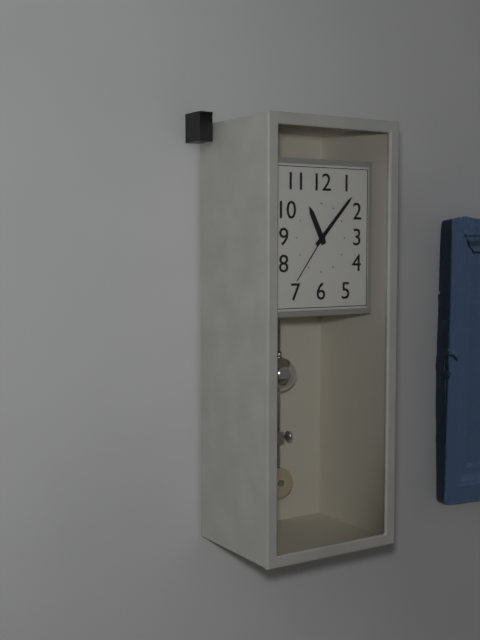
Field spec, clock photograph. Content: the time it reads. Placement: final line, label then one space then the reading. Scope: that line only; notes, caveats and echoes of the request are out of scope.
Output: 11:07:36
